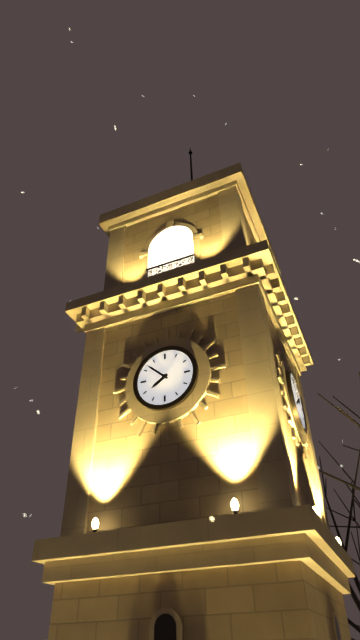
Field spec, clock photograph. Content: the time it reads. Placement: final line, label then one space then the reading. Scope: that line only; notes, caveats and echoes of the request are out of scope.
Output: 7:52
